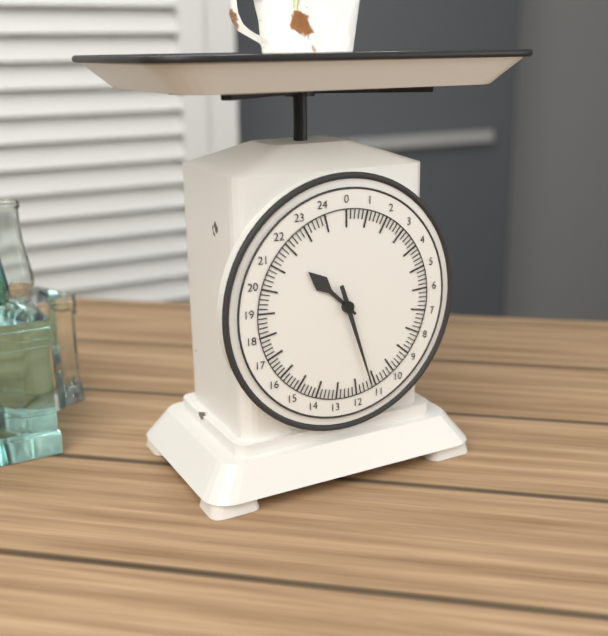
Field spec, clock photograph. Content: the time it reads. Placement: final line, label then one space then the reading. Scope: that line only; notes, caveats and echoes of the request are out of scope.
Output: 10:27
